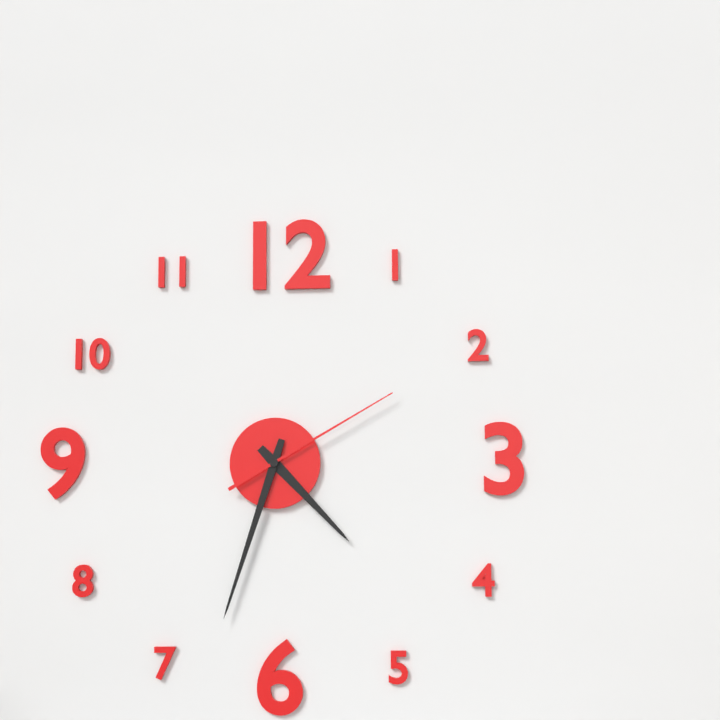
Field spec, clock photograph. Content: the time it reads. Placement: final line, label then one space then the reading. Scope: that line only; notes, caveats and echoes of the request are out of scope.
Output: 4:33:10
